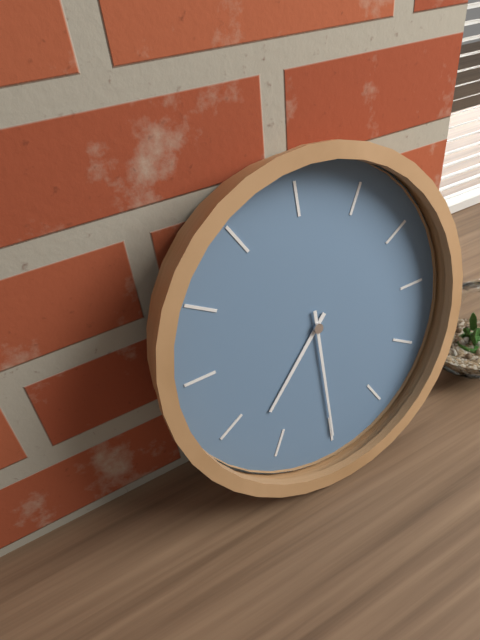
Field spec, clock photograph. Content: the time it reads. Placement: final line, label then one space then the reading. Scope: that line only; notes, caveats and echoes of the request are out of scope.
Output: 7:30
